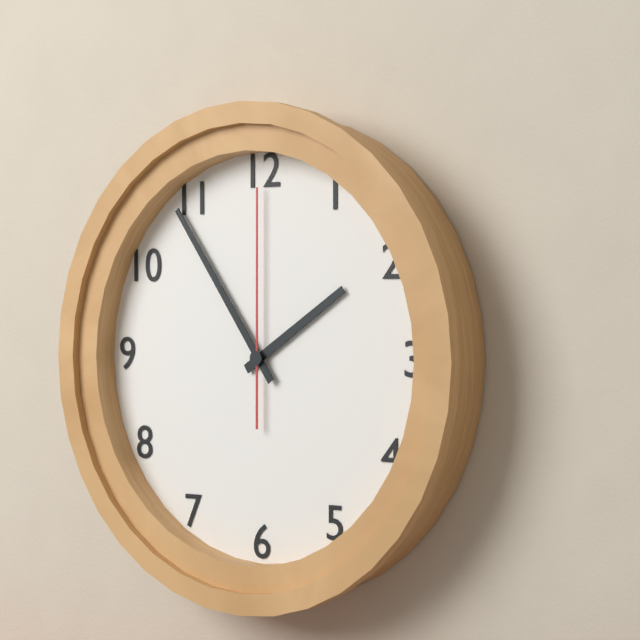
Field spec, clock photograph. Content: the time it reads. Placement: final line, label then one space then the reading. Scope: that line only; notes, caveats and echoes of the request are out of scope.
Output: 1:54:00
